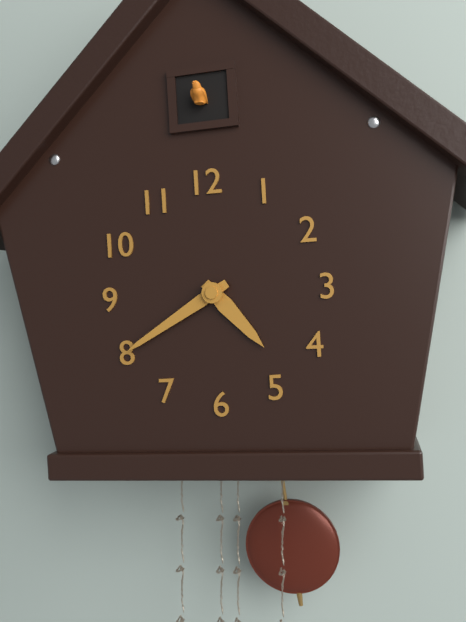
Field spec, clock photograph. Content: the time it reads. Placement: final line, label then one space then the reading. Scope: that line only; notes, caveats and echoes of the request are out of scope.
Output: 4:40
